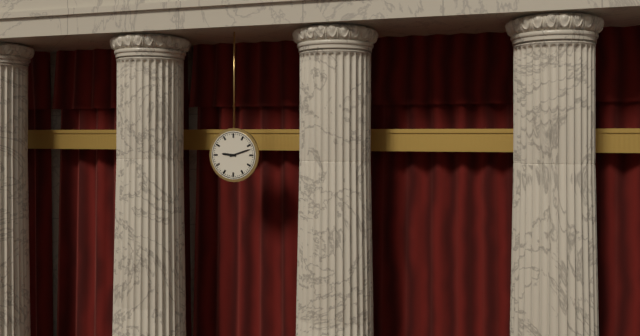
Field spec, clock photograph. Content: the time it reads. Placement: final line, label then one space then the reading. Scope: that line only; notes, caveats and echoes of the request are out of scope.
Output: 9:12
